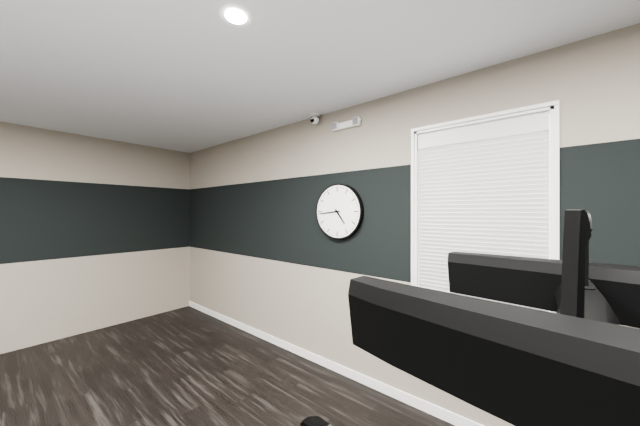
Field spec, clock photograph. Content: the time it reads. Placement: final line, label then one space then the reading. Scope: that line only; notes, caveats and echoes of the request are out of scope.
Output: 4:44
